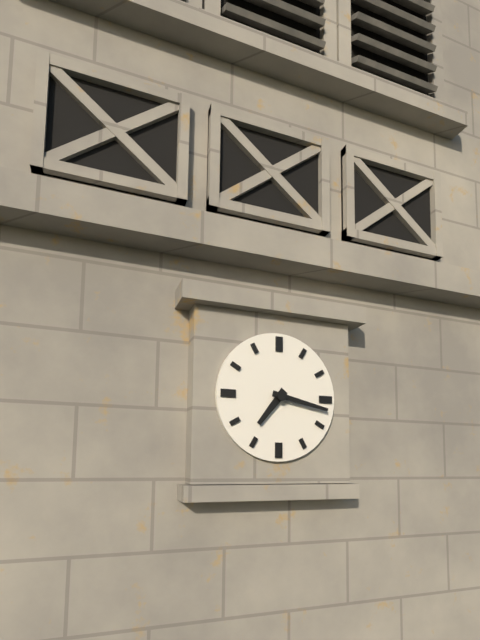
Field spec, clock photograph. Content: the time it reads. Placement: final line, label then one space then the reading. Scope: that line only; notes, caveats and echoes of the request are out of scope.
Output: 7:17
